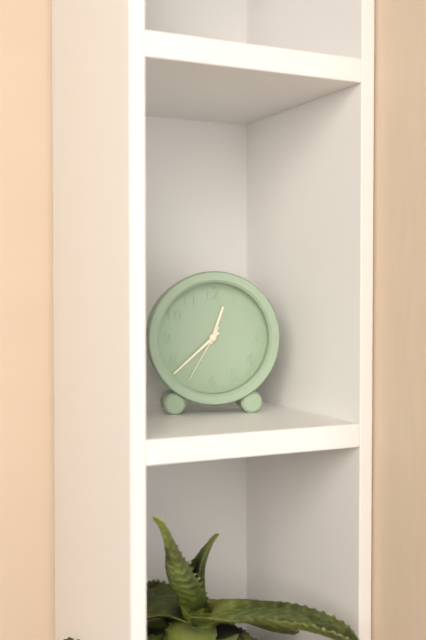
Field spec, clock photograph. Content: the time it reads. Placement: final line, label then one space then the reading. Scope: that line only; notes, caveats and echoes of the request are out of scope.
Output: 12:38:35
